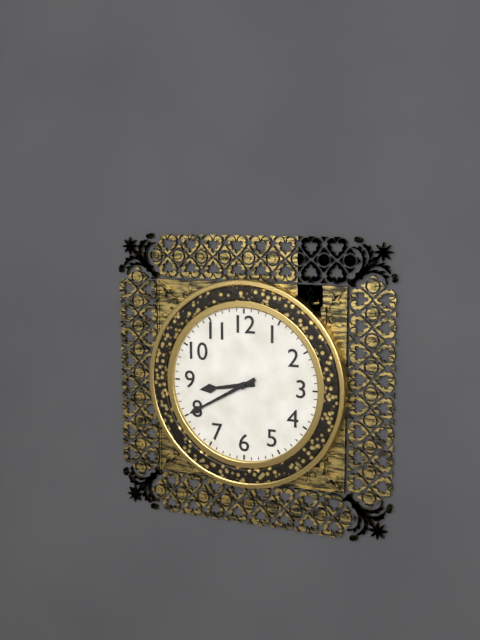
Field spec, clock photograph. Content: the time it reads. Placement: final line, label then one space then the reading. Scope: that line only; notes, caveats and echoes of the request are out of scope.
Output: 8:40
